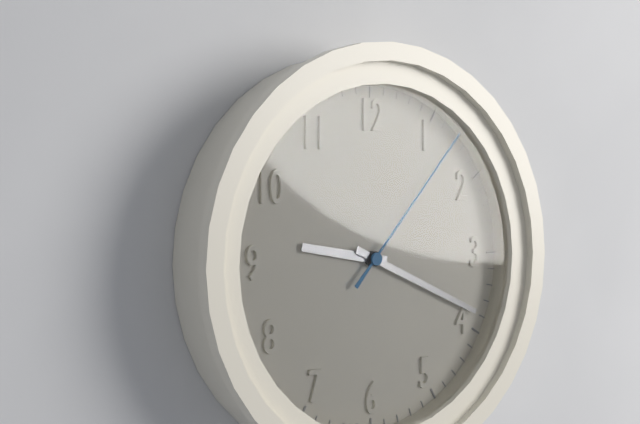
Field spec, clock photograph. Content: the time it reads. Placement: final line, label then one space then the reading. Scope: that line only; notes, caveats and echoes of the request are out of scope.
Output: 9:19:07
